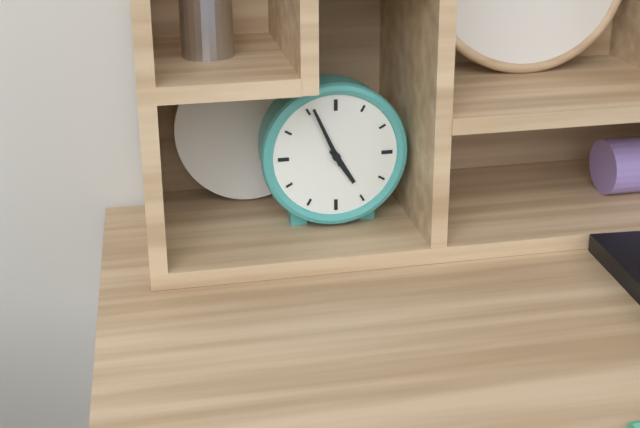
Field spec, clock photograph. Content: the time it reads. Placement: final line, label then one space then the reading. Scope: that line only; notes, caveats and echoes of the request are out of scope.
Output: 4:56
